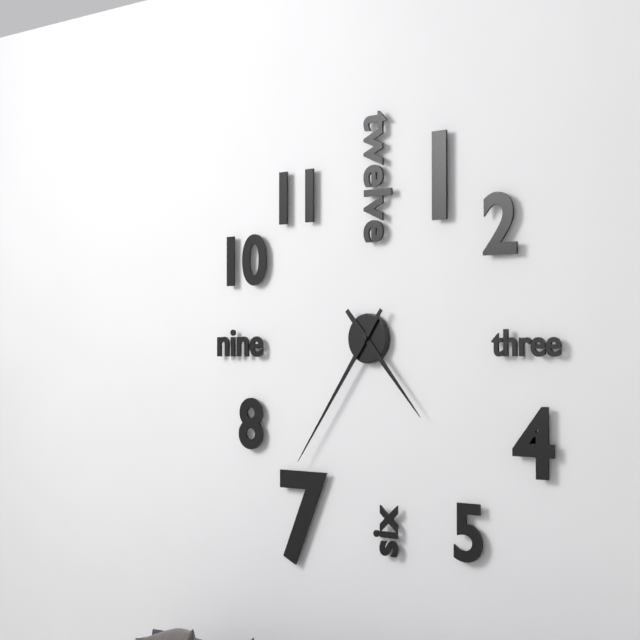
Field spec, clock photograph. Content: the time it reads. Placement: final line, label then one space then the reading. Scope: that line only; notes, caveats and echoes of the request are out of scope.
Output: 4:36
